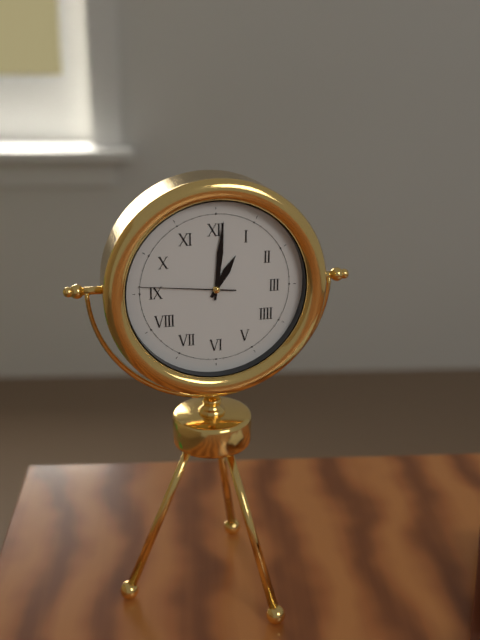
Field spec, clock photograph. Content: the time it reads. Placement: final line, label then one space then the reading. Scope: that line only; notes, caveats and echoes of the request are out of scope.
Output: 1:01:46
